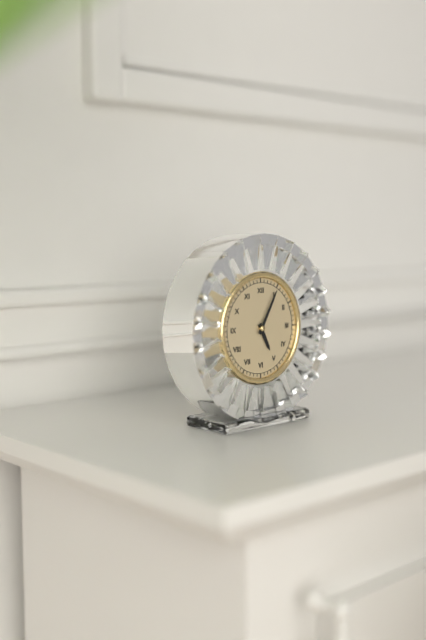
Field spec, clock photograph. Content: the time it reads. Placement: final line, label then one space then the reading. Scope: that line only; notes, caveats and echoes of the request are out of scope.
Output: 5:05
